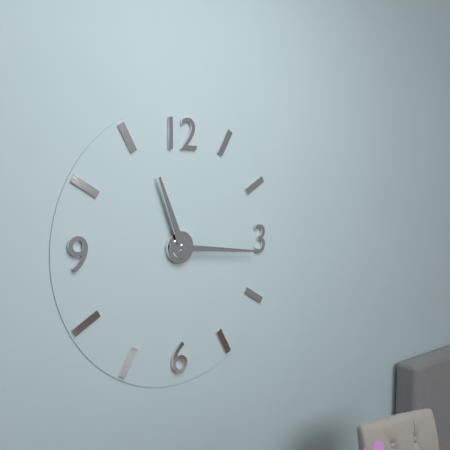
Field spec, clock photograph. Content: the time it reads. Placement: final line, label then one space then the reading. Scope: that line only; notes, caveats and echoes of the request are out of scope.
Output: 11:16
